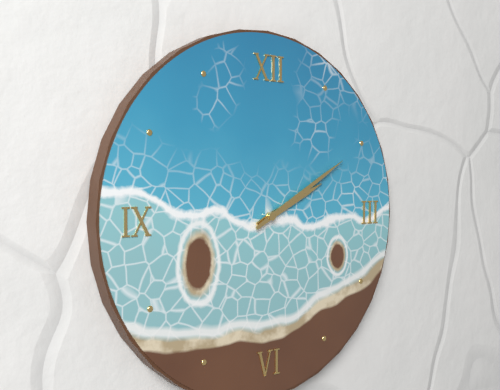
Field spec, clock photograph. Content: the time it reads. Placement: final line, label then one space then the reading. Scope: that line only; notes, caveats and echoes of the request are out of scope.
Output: 2:10
